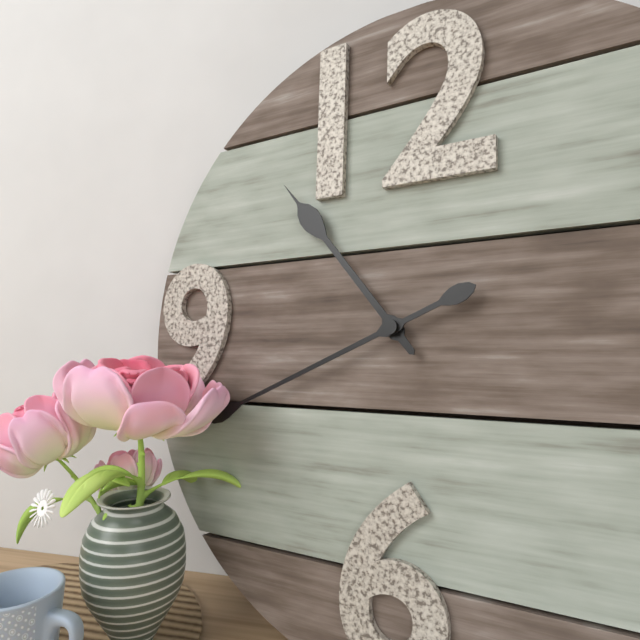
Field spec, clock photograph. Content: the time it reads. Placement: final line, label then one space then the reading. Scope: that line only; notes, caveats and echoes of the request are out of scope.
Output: 10:41
